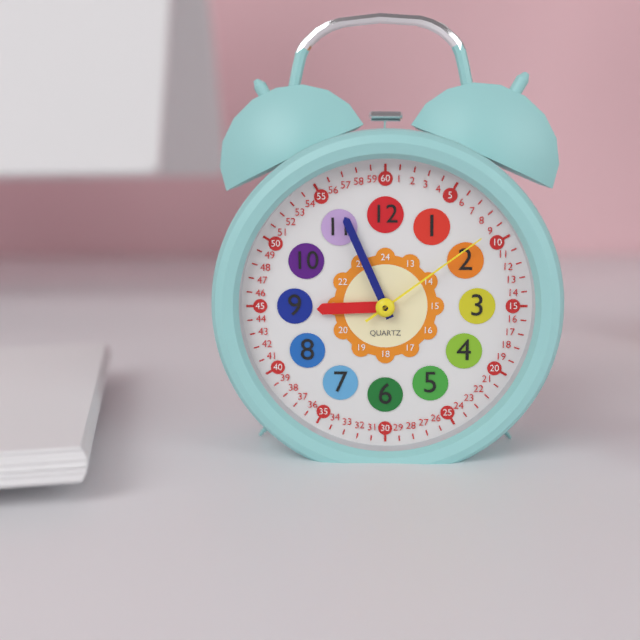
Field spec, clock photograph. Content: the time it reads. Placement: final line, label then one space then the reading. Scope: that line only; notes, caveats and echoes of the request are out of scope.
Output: 8:56:09
